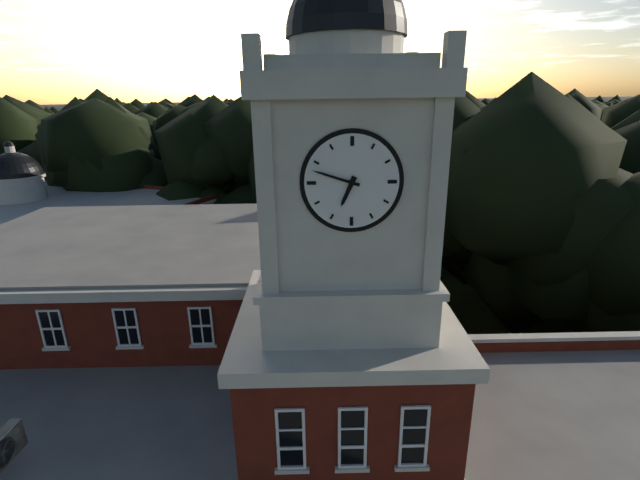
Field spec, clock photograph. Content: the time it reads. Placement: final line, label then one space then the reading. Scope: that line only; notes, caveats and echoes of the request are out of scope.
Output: 6:48
